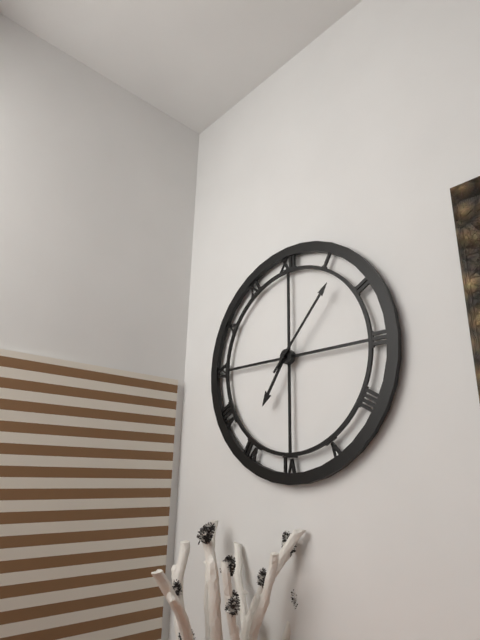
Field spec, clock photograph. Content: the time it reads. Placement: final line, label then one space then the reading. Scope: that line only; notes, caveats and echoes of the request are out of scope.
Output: 7:07
